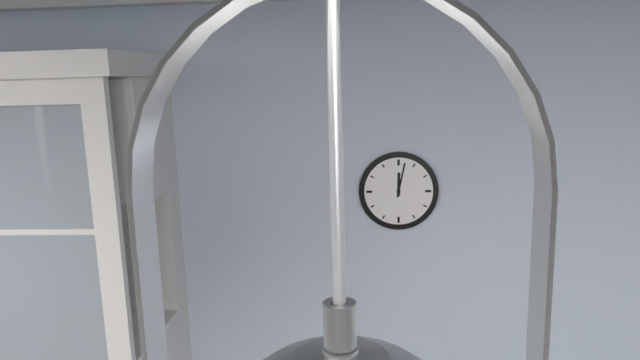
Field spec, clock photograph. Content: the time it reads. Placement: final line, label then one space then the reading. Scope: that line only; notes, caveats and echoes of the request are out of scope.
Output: 12:02
